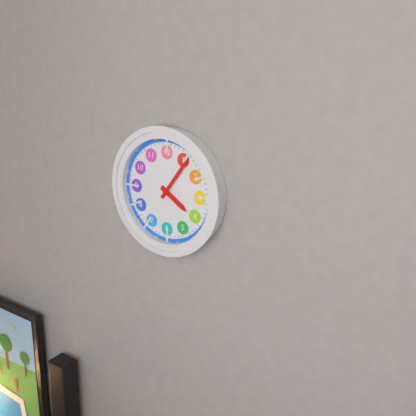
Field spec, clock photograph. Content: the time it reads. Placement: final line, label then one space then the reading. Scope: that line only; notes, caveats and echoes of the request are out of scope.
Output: 4:06
